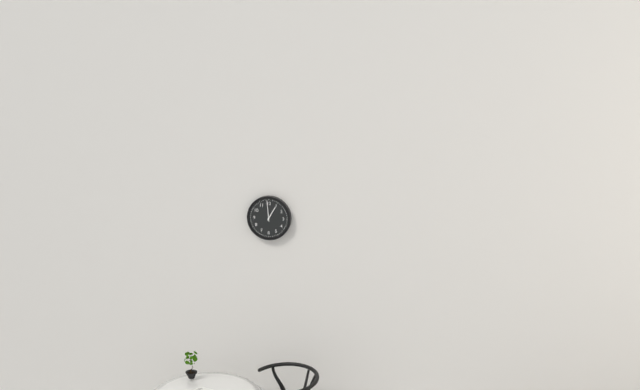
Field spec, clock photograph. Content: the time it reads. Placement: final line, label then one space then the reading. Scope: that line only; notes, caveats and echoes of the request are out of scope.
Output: 12:59
